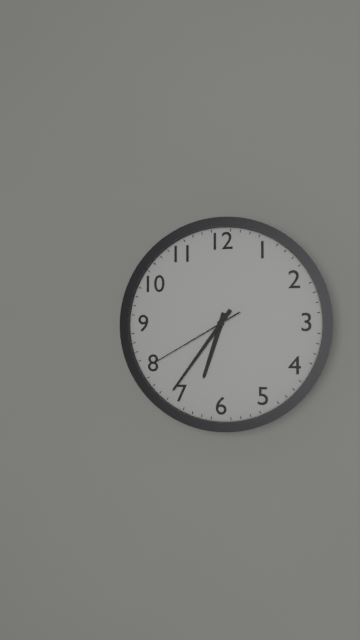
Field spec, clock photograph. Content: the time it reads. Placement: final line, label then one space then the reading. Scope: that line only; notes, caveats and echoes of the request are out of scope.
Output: 6:36:40
